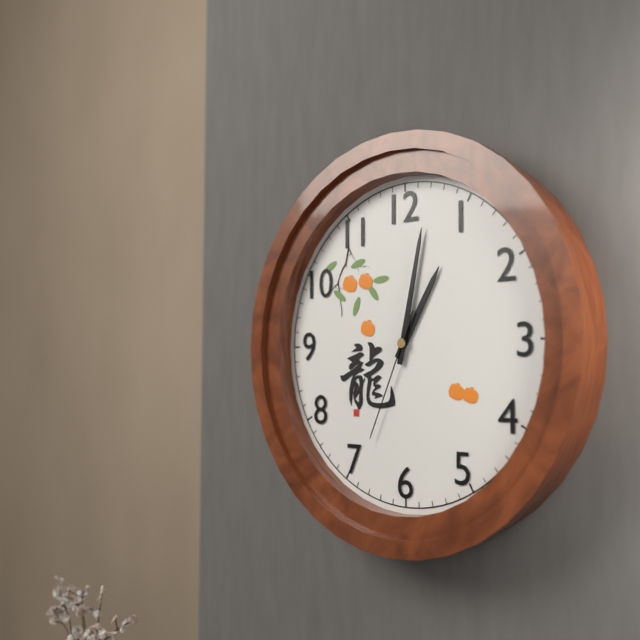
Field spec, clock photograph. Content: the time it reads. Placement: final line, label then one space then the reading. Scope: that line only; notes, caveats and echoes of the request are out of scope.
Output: 1:02:34
